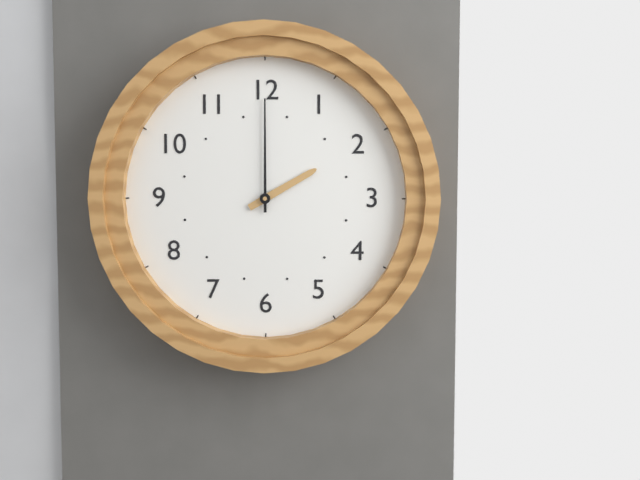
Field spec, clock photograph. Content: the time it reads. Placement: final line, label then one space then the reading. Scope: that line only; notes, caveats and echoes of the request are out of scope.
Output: 2:00
